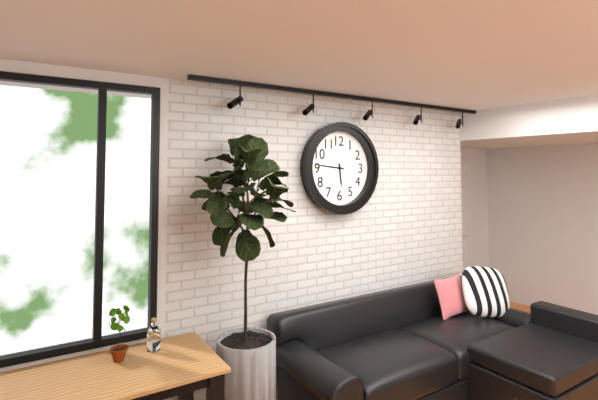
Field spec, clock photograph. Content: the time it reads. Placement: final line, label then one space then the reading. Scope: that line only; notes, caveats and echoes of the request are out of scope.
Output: 5:46
